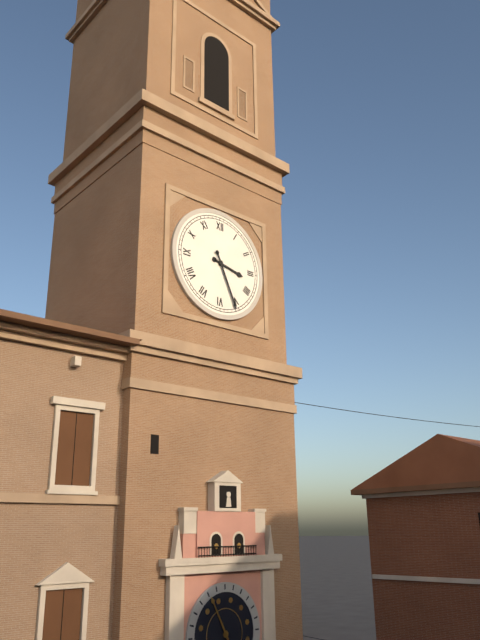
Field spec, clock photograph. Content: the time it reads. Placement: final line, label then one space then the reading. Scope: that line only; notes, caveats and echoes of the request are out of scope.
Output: 3:26
